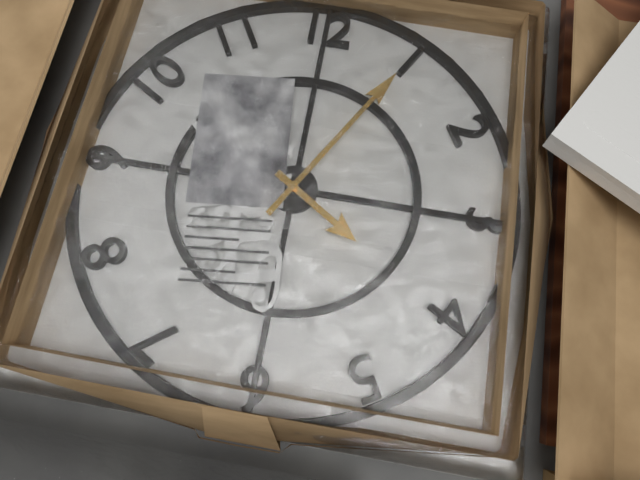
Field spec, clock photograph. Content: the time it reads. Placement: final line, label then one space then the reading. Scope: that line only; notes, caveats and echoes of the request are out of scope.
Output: 4:05
